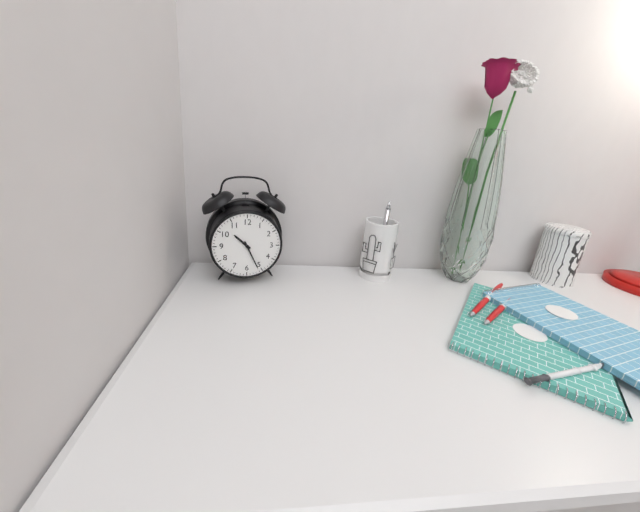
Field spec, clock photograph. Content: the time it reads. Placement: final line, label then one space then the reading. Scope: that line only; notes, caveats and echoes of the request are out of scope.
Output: 10:26
